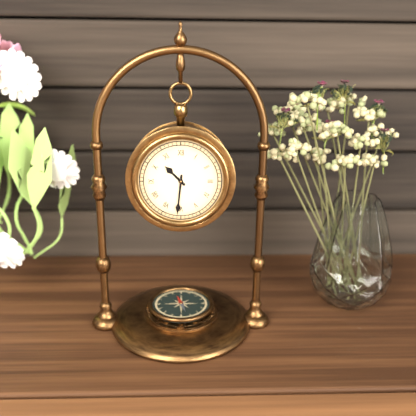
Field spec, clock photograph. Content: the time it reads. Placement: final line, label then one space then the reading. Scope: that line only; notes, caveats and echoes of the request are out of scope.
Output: 10:31
